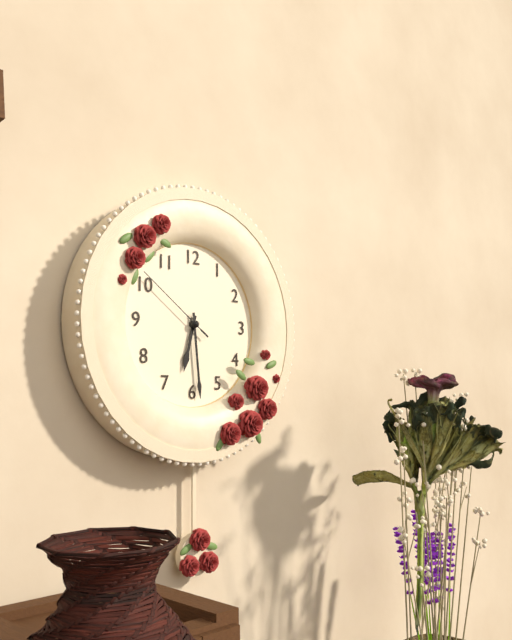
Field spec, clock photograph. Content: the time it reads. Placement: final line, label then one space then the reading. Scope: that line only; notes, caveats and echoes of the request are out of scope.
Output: 6:29:51
